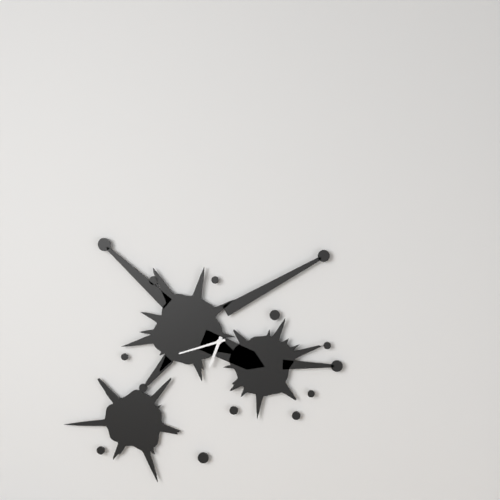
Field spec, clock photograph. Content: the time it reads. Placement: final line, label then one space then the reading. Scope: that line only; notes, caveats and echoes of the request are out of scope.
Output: 6:42
